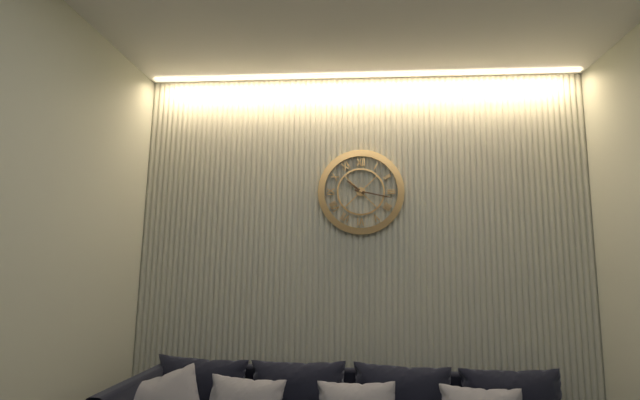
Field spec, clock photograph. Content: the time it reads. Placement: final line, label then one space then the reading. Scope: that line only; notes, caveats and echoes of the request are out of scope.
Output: 10:17
